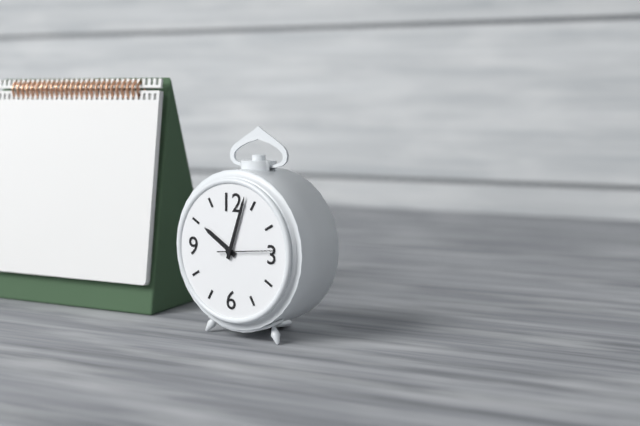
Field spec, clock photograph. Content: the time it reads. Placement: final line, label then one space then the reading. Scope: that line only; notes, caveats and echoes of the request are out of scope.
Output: 10:03
